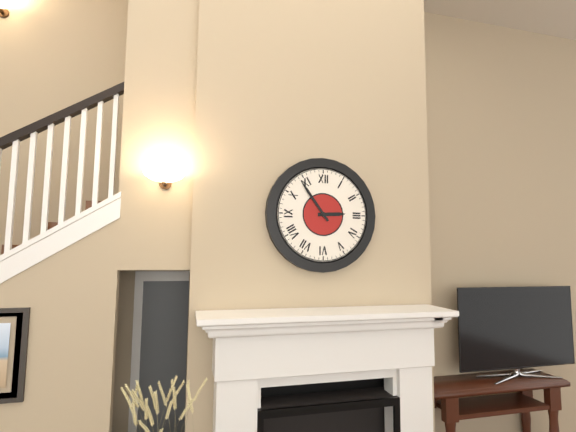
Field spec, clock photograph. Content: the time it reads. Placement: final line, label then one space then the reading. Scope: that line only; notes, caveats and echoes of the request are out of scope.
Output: 2:54
